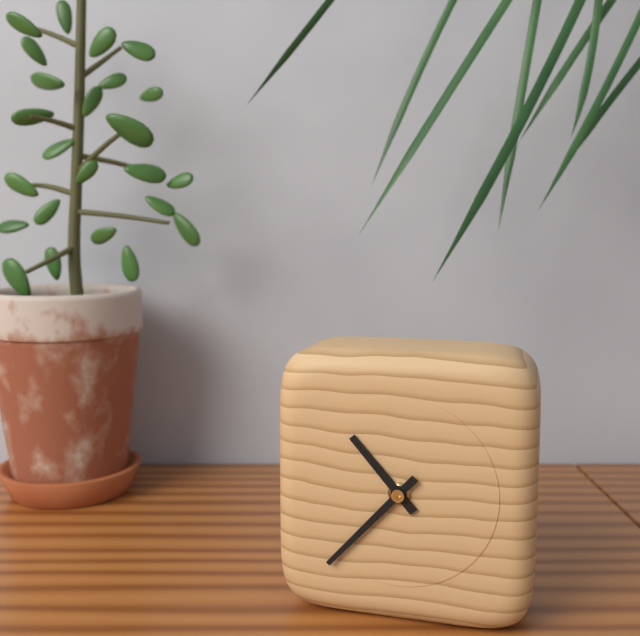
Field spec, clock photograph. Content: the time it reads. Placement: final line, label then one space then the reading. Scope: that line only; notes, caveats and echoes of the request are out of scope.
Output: 10:37
